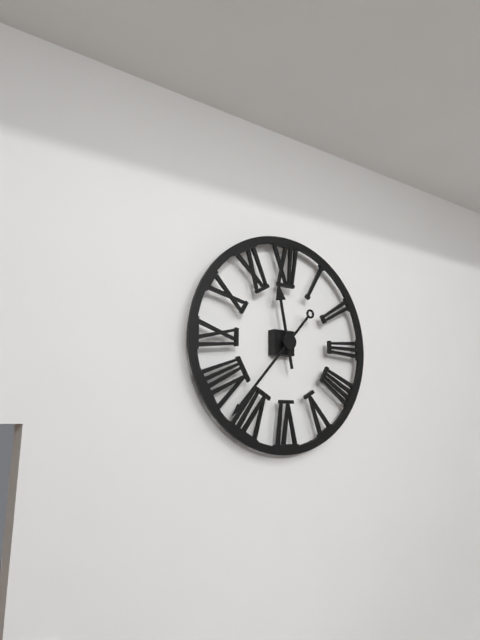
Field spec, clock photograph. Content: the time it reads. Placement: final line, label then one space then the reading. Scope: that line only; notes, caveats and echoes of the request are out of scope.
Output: 11:37
